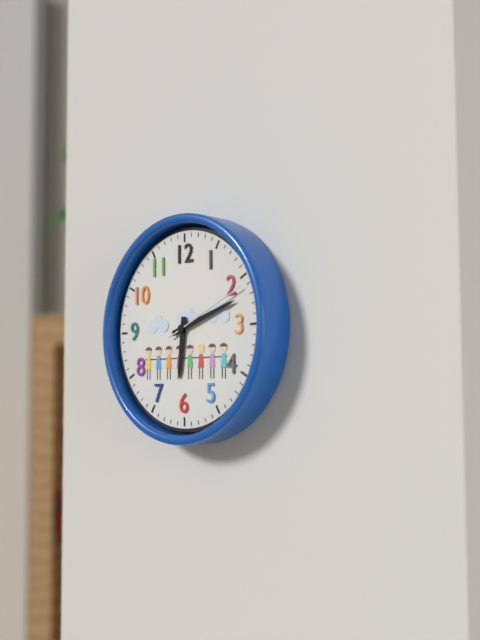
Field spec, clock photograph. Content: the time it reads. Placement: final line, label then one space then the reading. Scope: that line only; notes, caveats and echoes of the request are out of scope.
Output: 6:12:11
